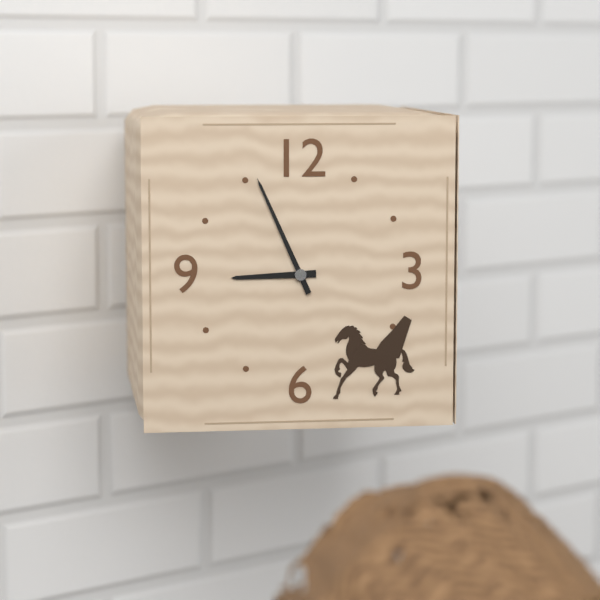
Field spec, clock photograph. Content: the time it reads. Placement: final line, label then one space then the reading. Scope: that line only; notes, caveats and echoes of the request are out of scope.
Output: 8:56
